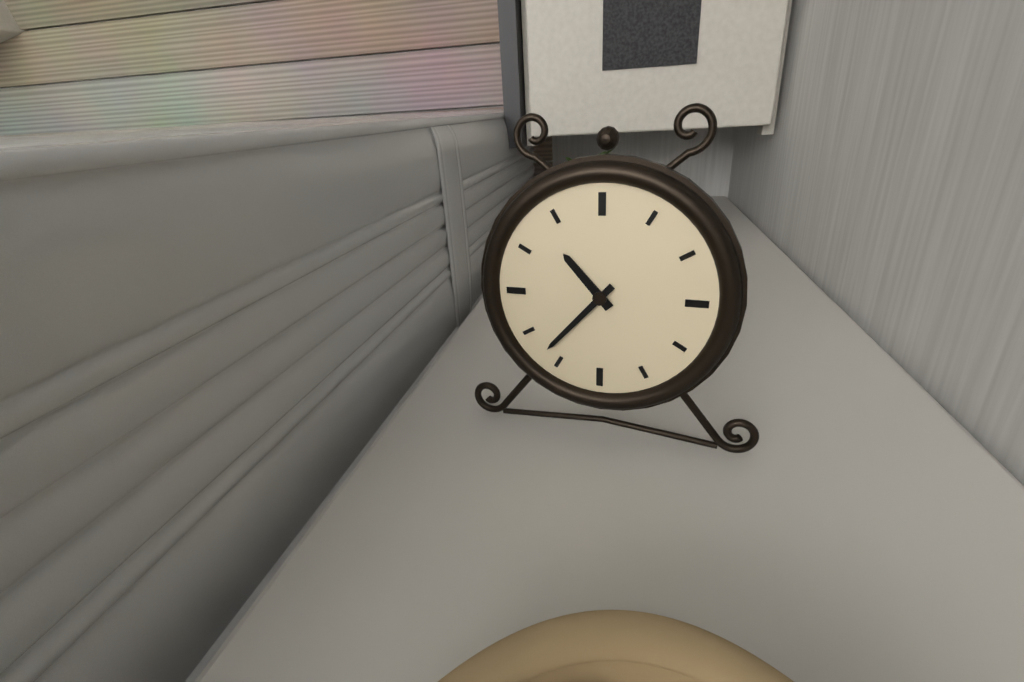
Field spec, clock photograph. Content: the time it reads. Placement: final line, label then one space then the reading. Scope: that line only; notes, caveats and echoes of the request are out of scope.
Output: 10:37
